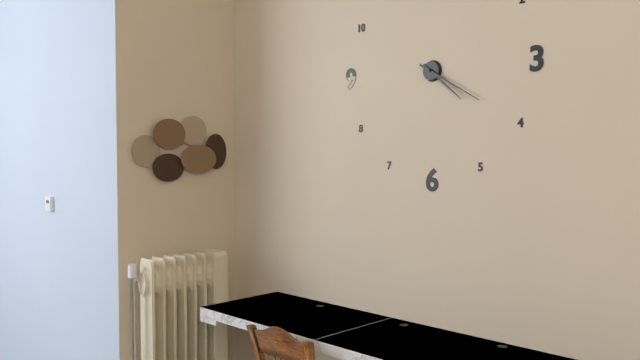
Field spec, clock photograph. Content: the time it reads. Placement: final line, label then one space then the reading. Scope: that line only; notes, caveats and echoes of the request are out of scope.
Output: 4:20
